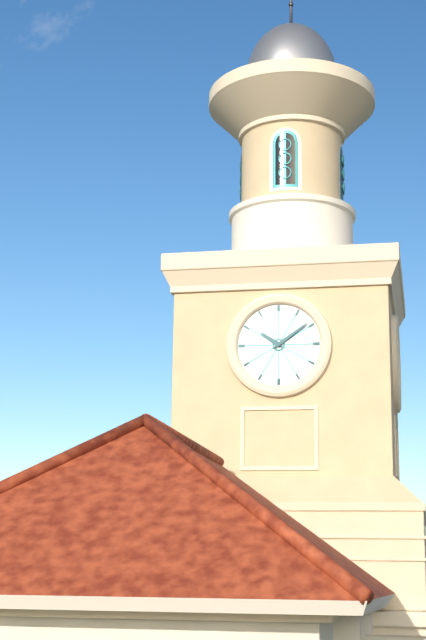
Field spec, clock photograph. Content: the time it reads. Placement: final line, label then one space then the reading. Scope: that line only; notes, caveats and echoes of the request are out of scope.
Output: 10:09
